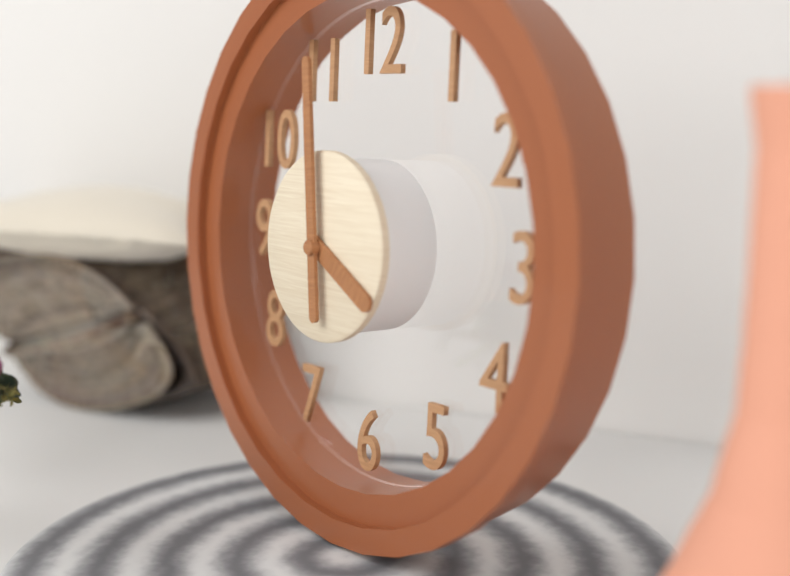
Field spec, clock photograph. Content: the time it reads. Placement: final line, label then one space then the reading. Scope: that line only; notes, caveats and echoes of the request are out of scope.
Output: 3:59
